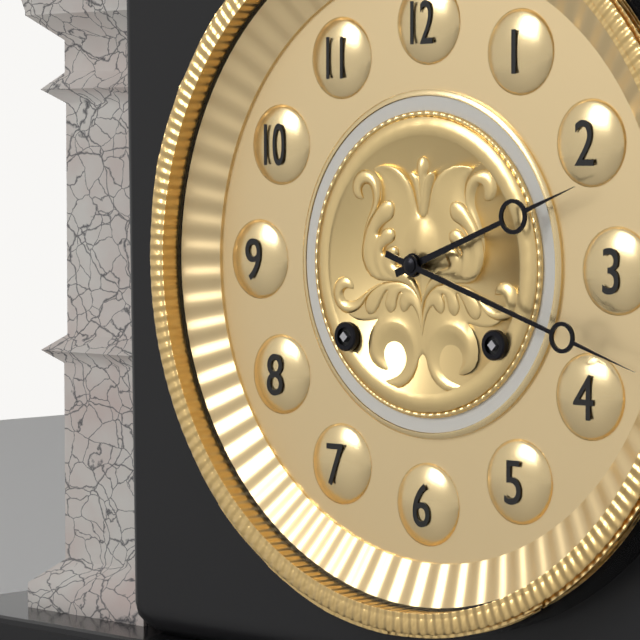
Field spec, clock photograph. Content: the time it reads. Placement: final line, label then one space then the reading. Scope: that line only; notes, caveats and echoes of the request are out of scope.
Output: 2:18
